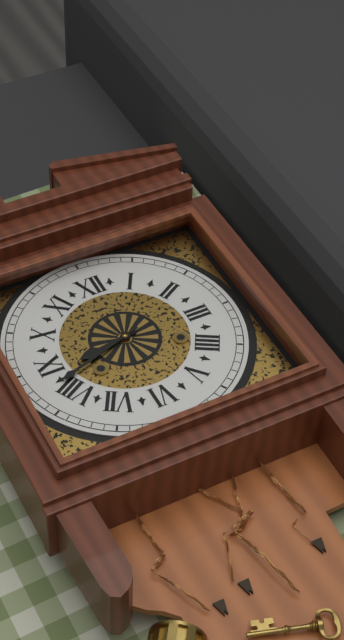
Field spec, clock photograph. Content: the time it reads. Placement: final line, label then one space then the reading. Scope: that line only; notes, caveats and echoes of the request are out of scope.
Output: 8:42
